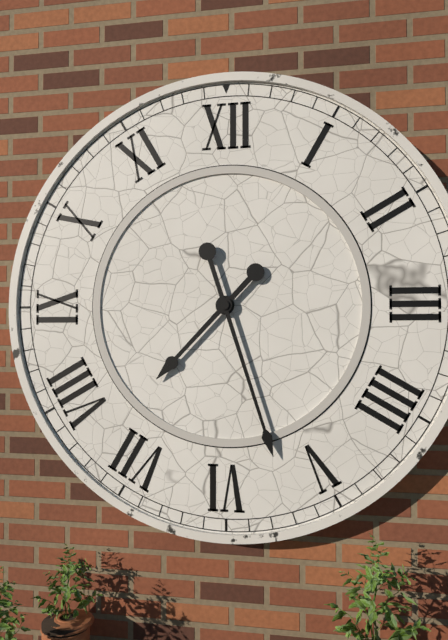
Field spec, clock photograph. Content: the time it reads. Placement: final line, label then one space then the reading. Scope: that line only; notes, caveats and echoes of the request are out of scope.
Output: 7:27
